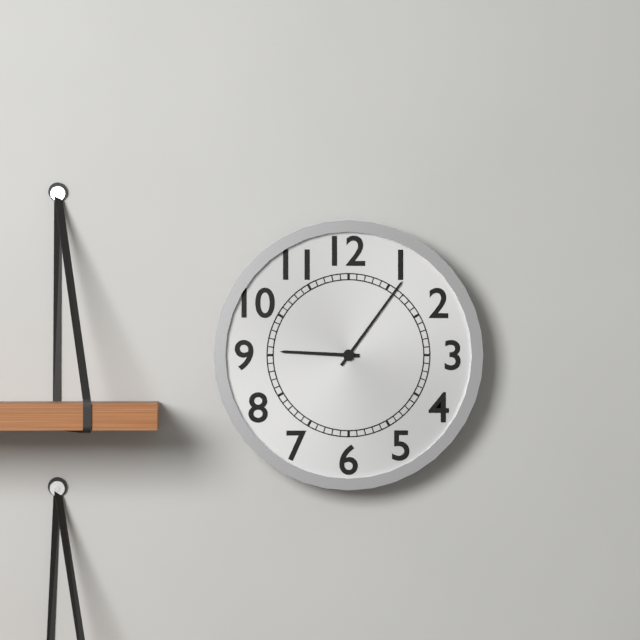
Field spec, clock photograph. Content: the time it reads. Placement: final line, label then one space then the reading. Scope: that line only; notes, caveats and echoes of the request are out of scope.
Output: 9:06
